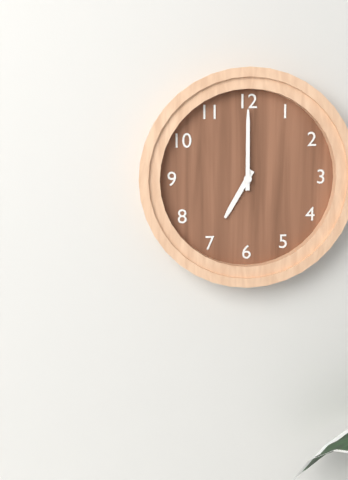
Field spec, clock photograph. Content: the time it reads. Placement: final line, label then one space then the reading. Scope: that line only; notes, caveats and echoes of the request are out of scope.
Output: 7:00
